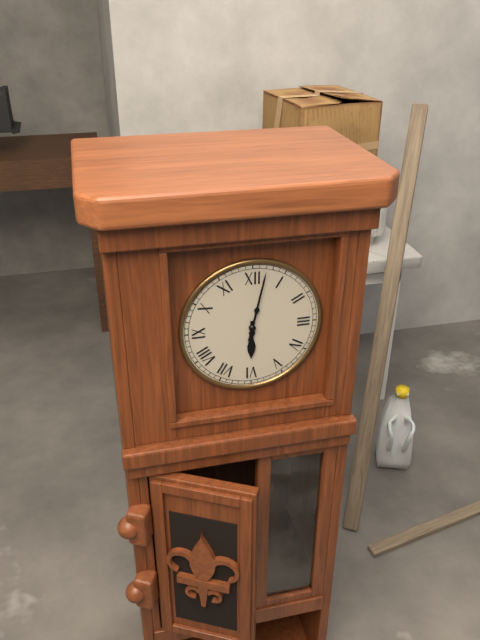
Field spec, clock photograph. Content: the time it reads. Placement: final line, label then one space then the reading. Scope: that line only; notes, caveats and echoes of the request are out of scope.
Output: 6:02
